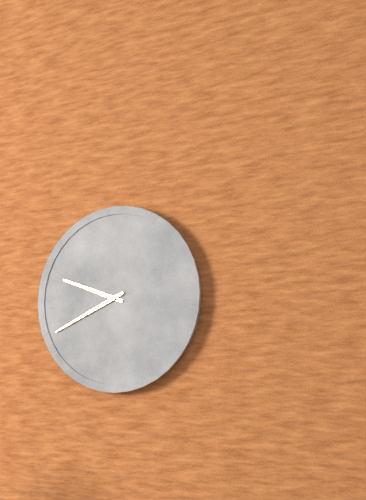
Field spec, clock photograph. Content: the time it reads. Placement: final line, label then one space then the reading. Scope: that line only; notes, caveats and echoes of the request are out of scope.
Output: 9:41
